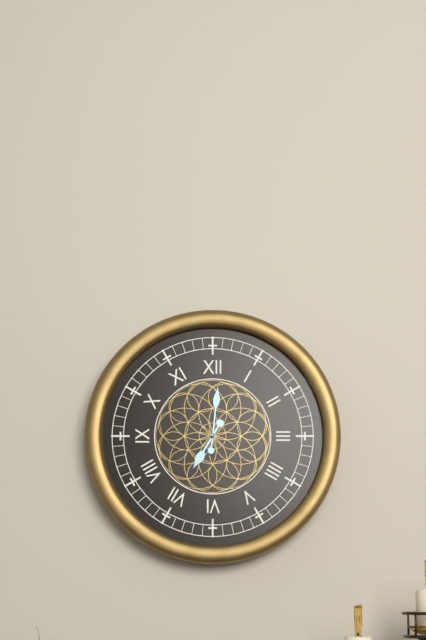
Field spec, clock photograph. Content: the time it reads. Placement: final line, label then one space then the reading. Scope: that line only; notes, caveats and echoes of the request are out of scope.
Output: 7:01
